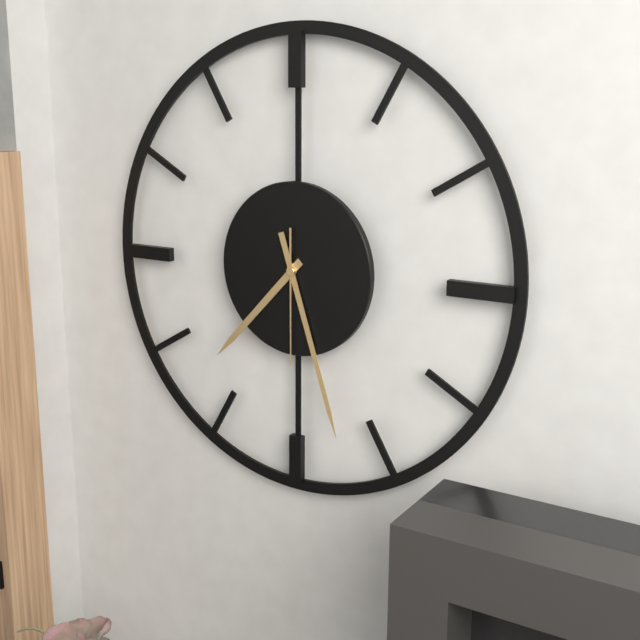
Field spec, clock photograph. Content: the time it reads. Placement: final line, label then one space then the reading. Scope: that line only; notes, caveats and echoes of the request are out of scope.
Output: 7:27:30
